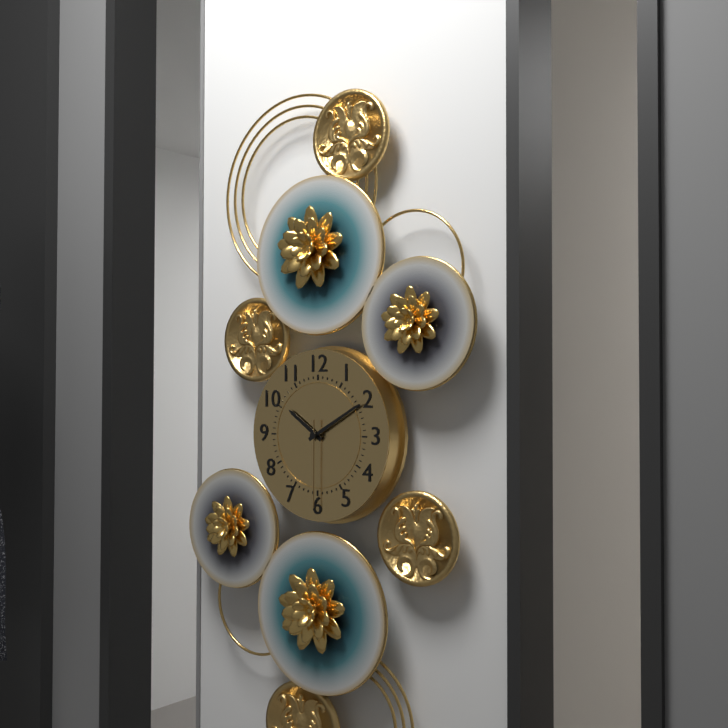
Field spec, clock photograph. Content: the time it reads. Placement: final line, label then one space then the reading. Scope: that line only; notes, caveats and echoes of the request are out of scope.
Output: 10:10:30
